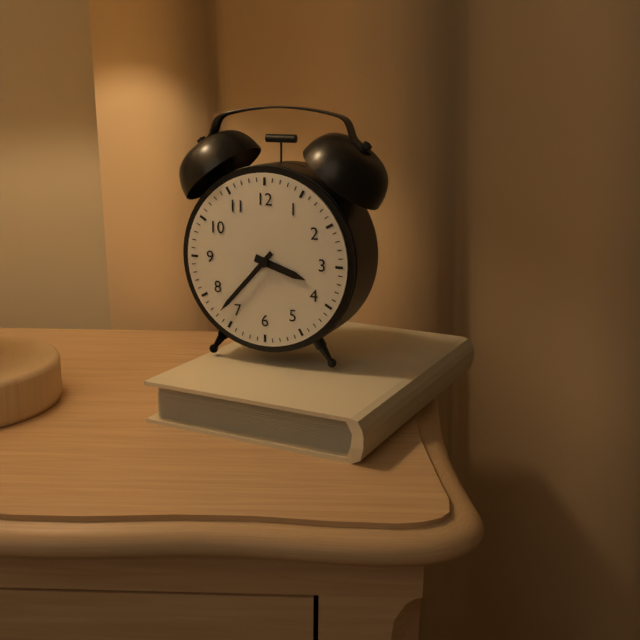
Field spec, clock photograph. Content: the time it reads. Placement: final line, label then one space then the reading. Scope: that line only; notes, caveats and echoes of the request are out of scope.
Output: 3:37
